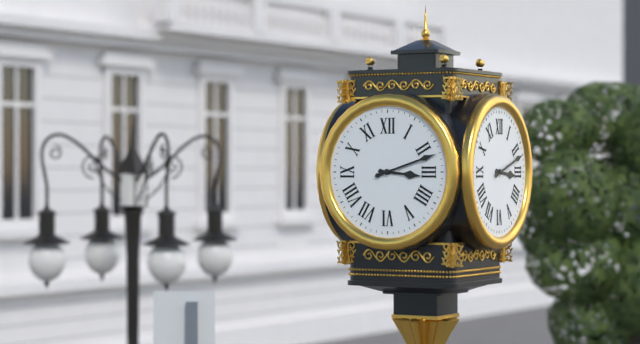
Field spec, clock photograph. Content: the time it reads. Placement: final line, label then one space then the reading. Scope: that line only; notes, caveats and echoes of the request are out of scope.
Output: 3:12
